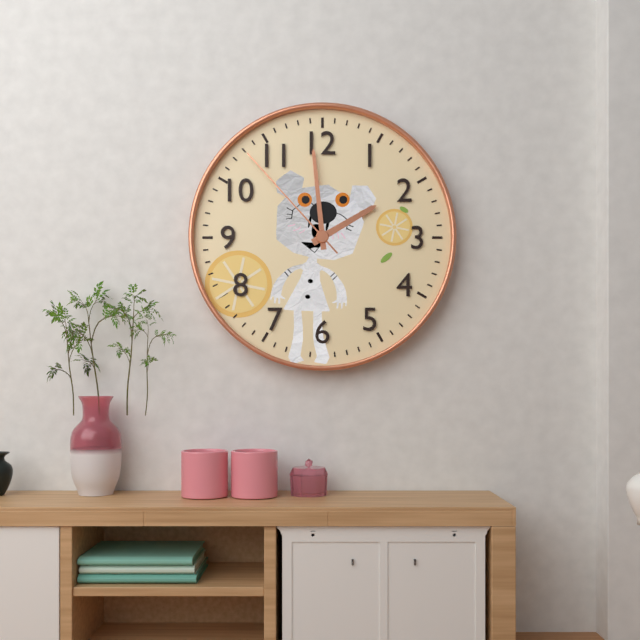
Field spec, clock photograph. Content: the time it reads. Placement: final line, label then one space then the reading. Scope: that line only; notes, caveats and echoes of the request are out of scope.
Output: 1:59:53
